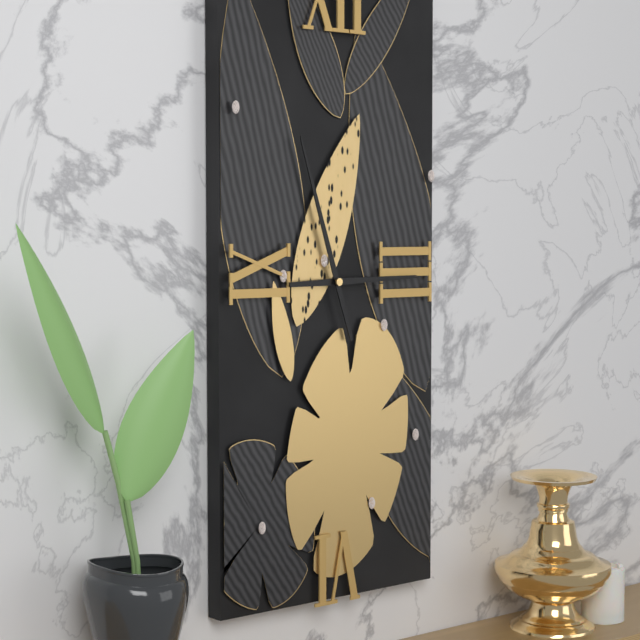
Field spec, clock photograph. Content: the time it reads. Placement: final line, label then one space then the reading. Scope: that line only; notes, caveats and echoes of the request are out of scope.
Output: 2:57
